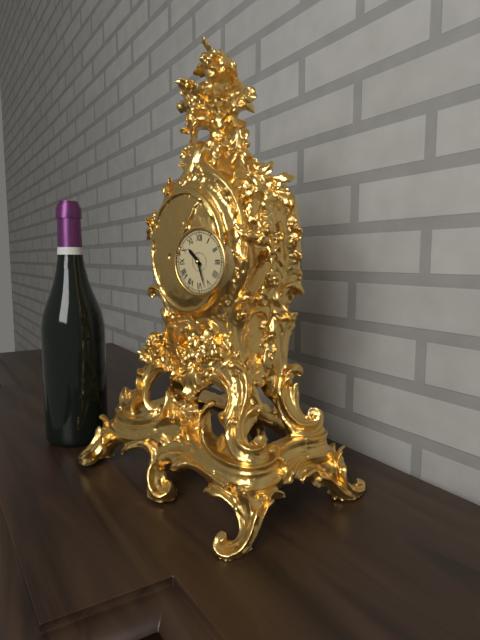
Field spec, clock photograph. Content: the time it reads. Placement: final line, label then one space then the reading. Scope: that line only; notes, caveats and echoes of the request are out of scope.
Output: 10:27
